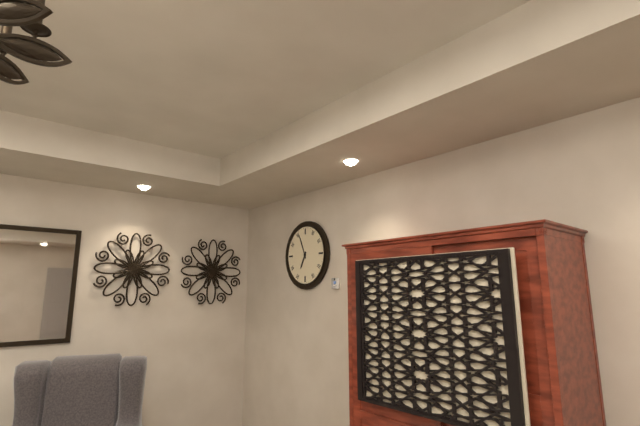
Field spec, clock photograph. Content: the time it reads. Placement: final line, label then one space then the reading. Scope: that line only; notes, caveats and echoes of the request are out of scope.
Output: 6:56
